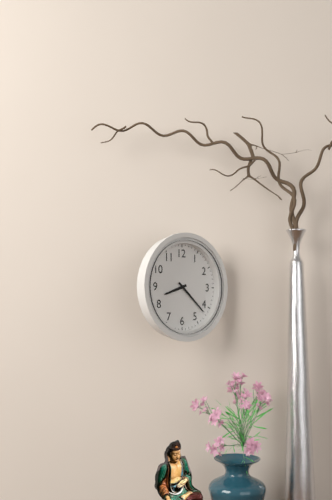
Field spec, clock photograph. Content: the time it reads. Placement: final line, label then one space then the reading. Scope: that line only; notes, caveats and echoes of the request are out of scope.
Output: 8:22
